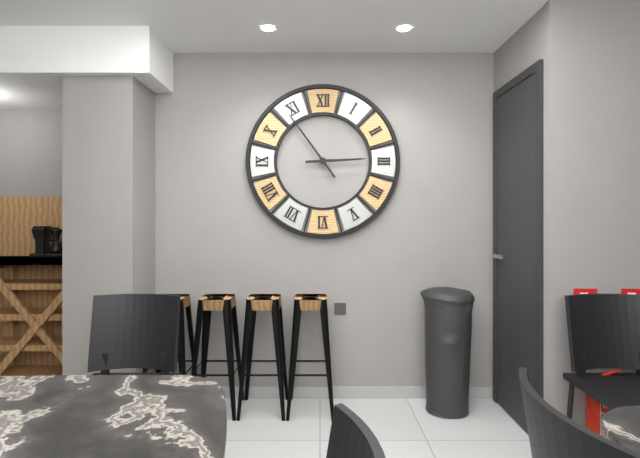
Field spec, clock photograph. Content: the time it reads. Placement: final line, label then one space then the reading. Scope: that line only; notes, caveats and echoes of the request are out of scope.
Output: 2:54
